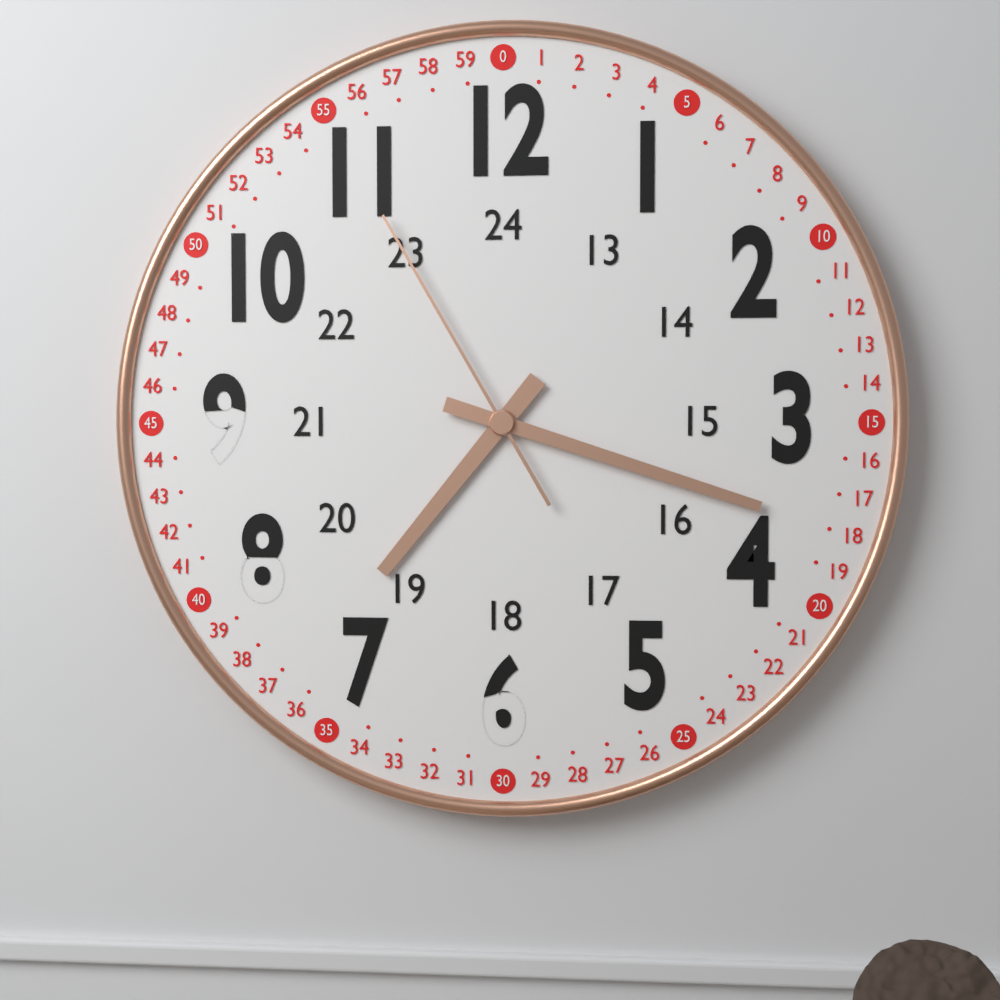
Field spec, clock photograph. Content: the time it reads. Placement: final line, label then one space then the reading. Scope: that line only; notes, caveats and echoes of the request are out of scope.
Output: 7:18:55
